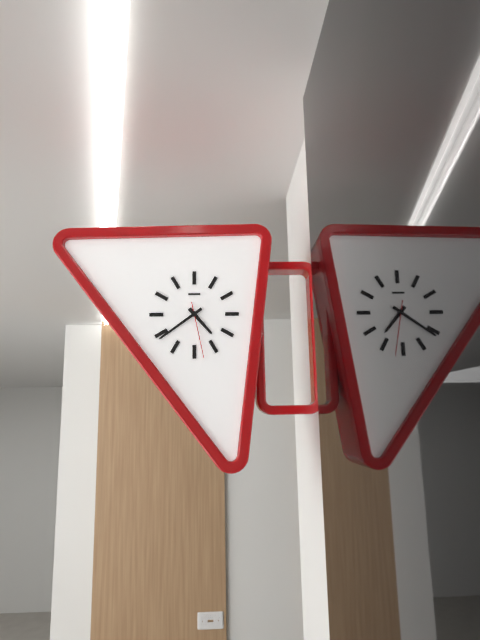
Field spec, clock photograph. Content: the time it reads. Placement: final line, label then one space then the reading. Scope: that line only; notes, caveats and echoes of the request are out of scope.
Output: 4:39:28
